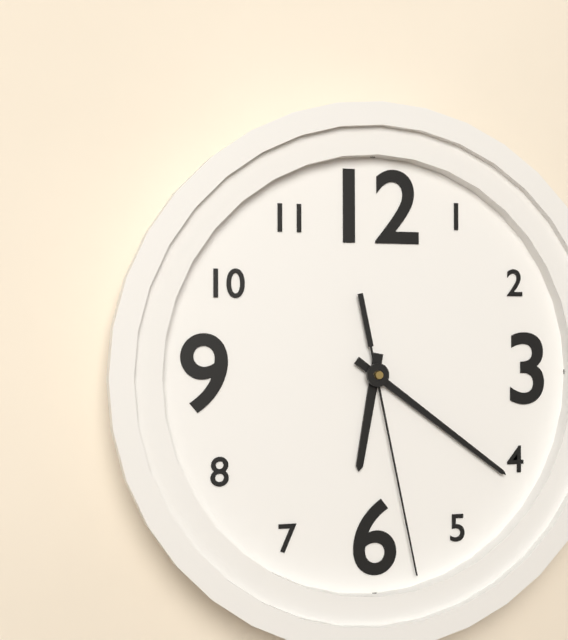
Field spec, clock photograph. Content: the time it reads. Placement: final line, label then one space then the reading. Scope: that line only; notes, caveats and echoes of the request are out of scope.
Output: 6:21:28
